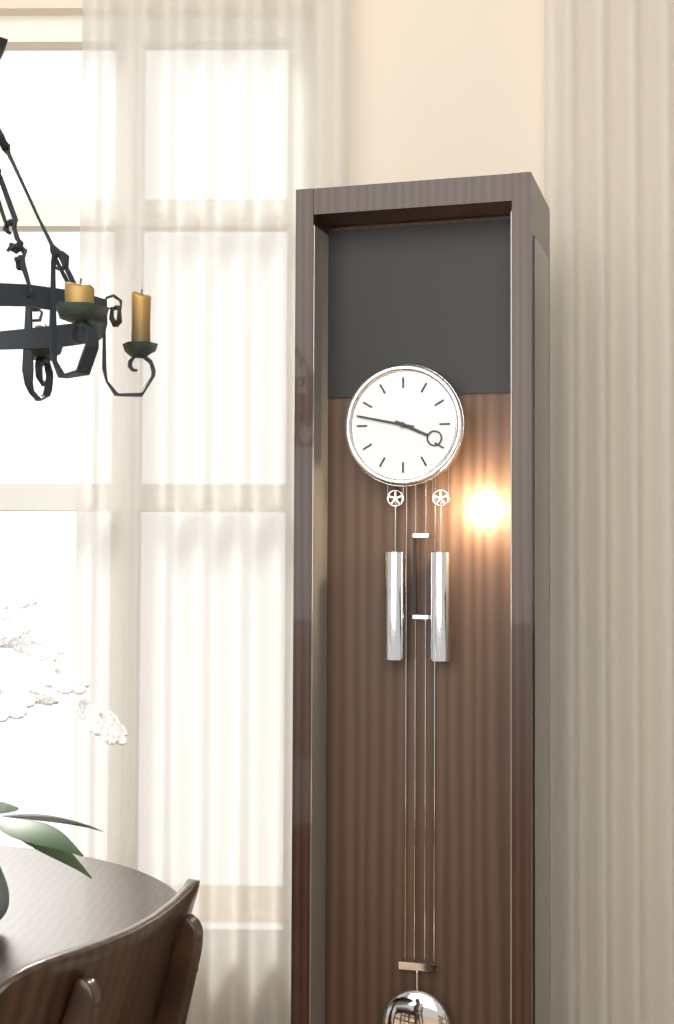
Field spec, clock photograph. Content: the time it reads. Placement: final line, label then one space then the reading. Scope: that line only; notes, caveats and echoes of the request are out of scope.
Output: 3:47
